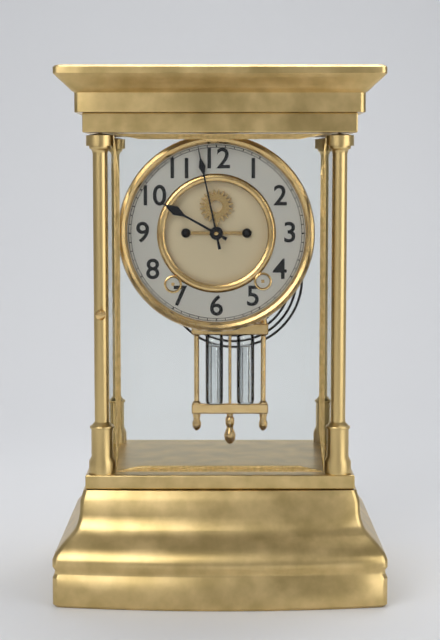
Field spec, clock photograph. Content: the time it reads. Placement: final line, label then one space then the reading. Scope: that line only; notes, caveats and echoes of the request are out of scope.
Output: 9:58
